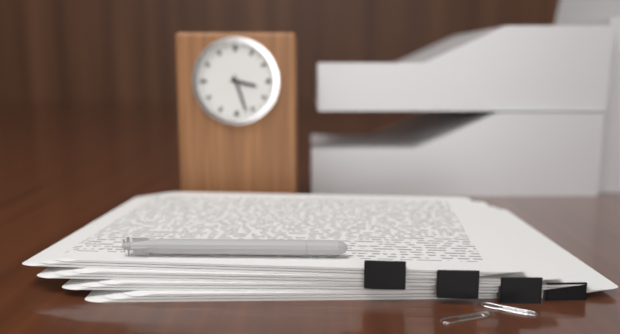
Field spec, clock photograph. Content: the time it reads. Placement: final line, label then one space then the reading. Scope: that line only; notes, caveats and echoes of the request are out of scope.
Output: 3:27
